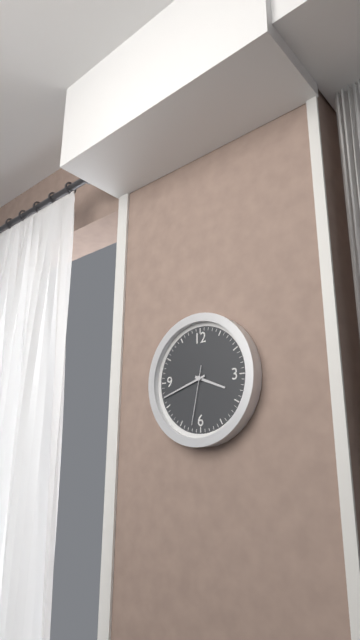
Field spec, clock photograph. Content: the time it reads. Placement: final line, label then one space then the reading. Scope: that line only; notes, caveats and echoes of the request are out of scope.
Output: 3:42:32
